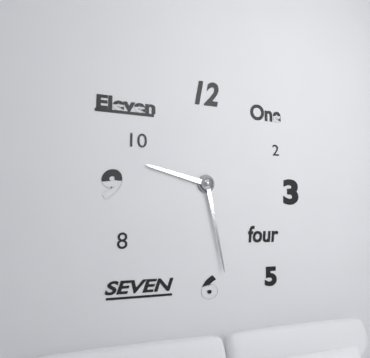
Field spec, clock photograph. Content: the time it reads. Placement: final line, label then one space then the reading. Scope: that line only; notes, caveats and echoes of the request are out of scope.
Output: 9:28
